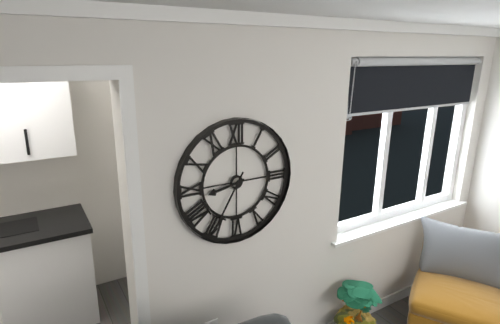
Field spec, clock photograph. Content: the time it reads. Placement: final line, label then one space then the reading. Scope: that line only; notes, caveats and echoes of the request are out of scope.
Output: 8:35
